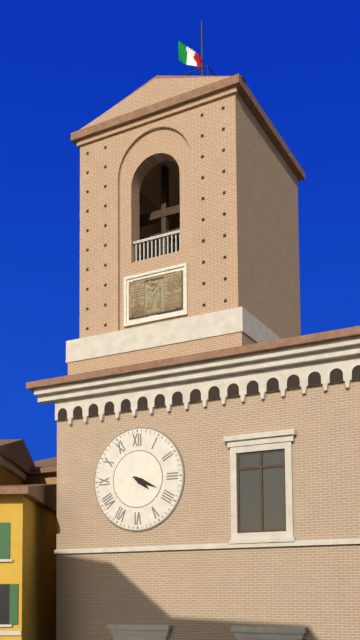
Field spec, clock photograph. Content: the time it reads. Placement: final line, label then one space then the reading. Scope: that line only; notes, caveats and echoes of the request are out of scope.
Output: 4:19
